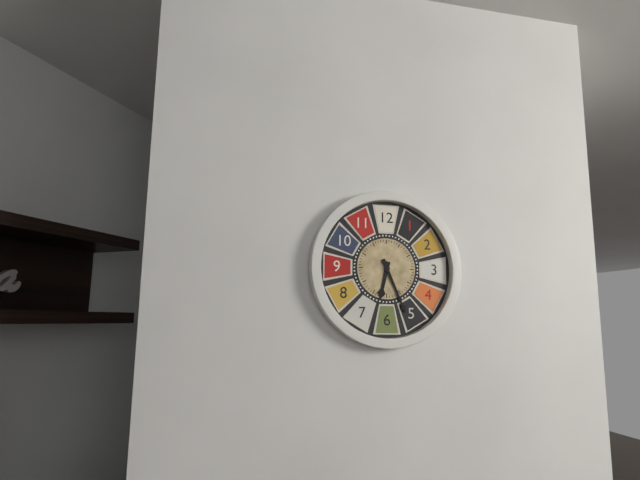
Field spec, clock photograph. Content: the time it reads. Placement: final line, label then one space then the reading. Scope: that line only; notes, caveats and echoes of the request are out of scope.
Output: 6:26
